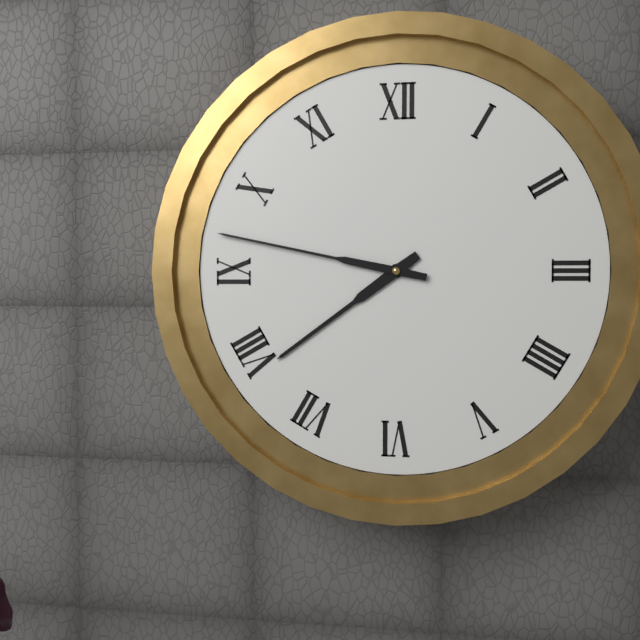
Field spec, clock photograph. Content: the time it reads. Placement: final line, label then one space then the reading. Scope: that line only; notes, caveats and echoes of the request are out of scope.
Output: 7:47
